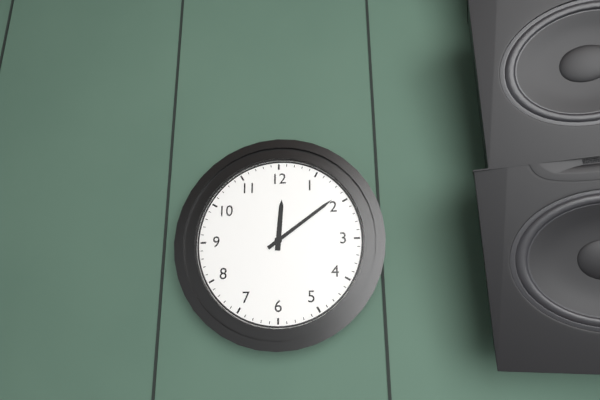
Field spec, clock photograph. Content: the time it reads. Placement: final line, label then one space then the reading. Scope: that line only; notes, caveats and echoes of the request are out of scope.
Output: 12:09
